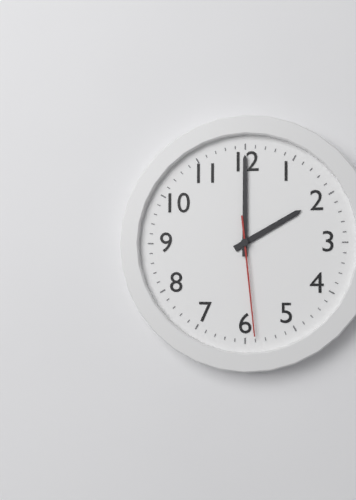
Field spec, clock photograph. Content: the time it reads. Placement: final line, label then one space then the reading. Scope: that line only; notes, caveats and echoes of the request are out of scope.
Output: 2:00:29
